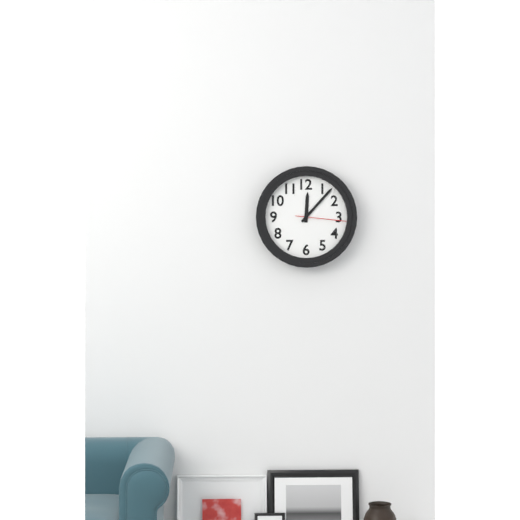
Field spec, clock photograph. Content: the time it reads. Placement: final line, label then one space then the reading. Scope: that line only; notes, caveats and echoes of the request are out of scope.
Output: 12:07:16
